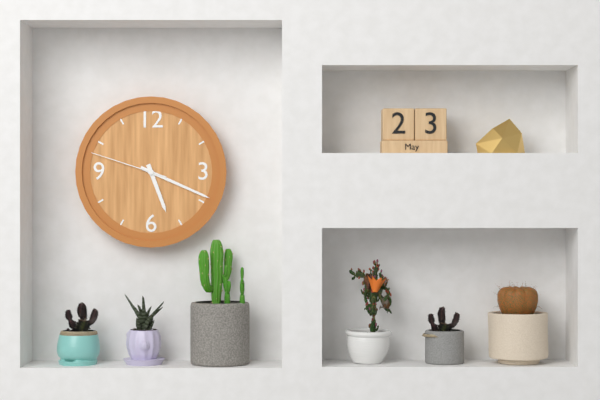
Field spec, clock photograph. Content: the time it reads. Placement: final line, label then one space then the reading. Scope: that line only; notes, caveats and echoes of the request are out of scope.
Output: 5:19:48
